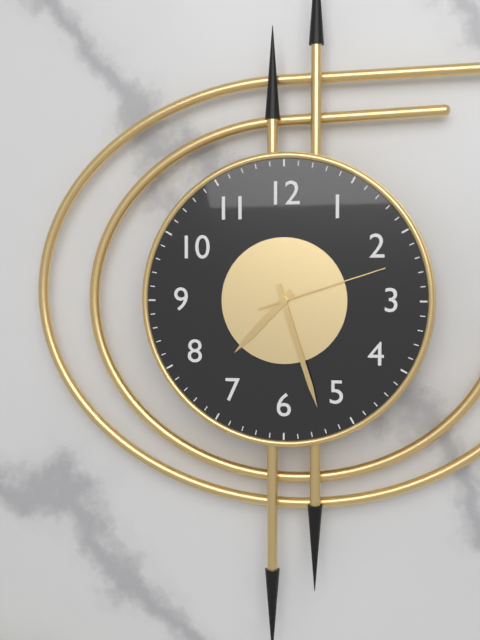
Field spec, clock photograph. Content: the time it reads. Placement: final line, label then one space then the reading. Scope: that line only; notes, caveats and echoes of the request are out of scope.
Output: 7:27:12
